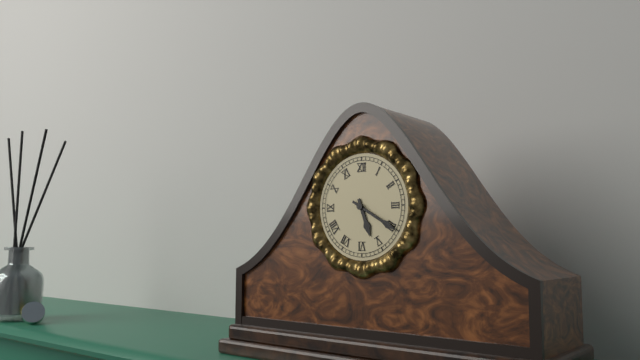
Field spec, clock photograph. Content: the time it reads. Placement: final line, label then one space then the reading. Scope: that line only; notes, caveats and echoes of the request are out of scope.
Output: 5:20
